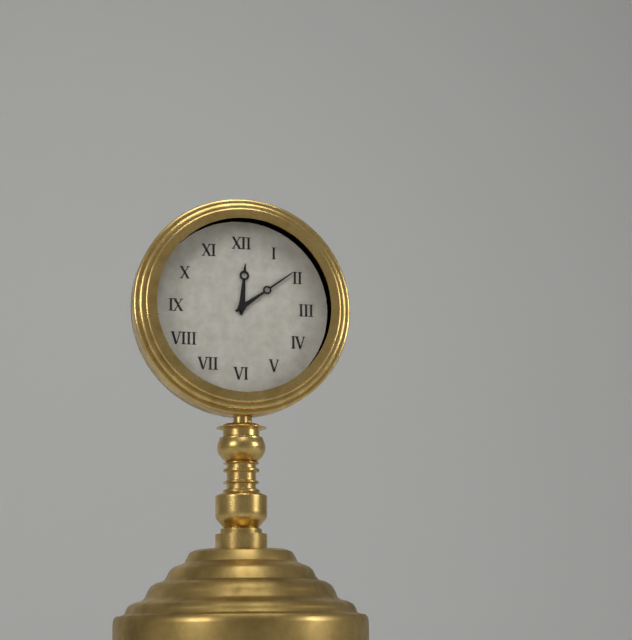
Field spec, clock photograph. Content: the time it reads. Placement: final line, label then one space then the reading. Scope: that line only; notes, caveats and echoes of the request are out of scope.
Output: 12:09
